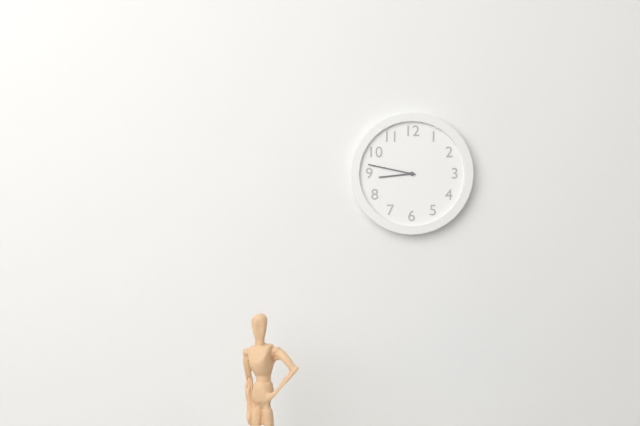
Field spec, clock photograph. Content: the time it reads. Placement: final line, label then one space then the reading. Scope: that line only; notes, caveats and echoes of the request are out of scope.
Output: 8:47
